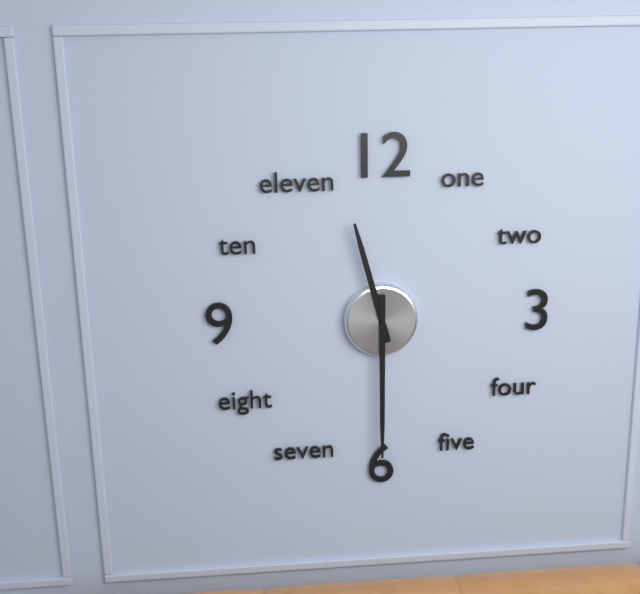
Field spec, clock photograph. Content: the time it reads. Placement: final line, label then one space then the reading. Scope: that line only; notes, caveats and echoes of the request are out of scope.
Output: 11:30
